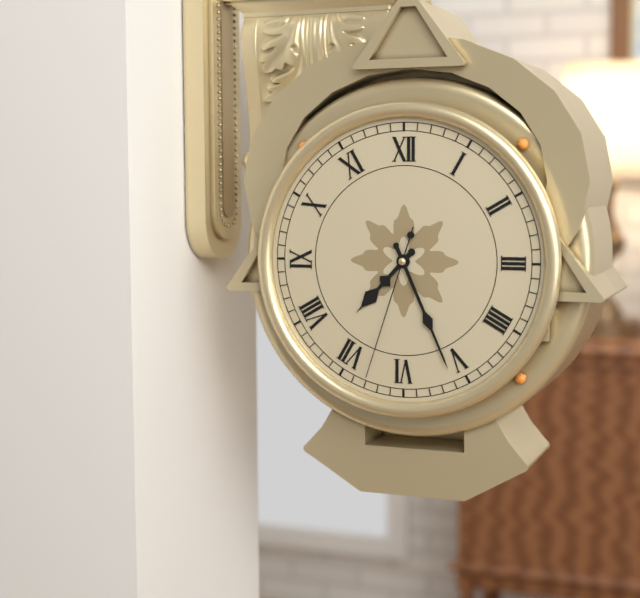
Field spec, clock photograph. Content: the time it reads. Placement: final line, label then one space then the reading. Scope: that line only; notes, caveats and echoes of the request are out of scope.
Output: 7:26:33
